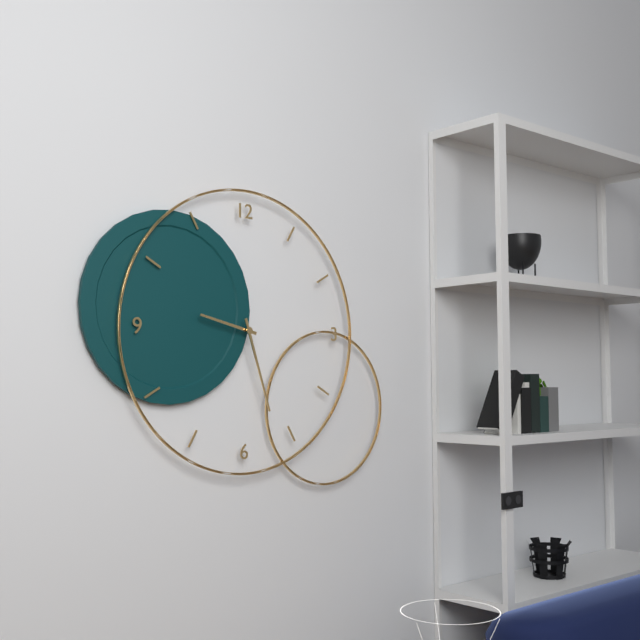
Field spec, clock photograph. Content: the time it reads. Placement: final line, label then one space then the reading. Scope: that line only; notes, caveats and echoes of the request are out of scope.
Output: 9:27
